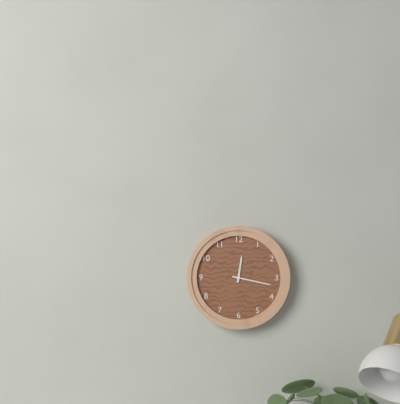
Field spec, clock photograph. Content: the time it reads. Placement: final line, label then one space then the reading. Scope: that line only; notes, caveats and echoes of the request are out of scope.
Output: 12:17
